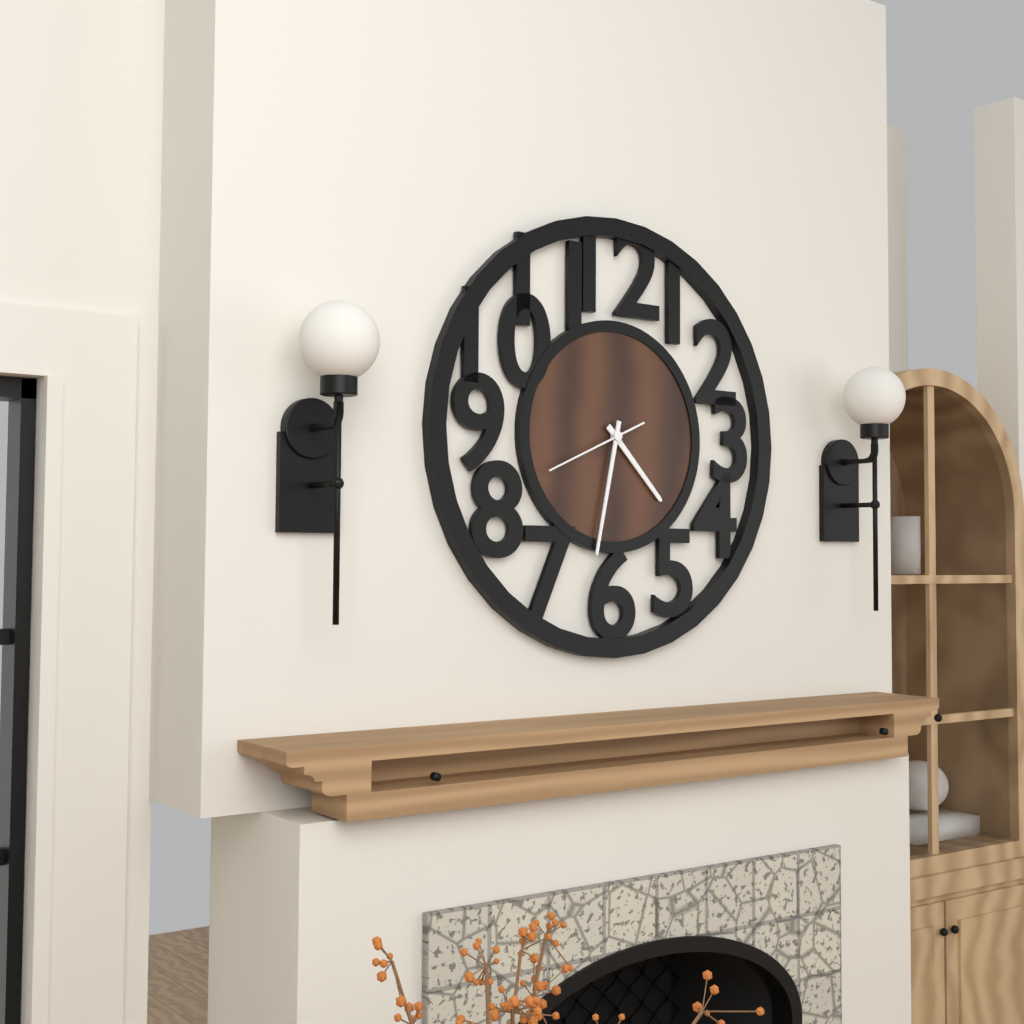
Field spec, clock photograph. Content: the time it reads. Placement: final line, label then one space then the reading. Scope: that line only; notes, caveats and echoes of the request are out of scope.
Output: 4:32:41
